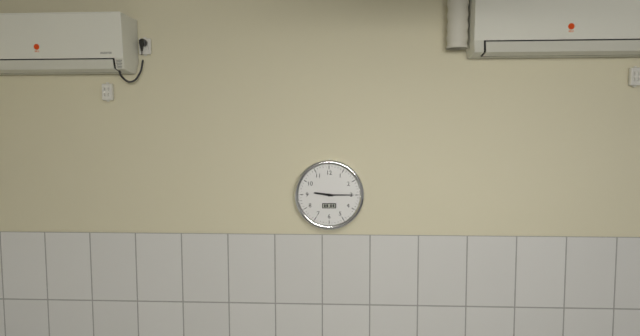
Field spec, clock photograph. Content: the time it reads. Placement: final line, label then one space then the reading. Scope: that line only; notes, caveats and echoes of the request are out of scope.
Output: 9:15
